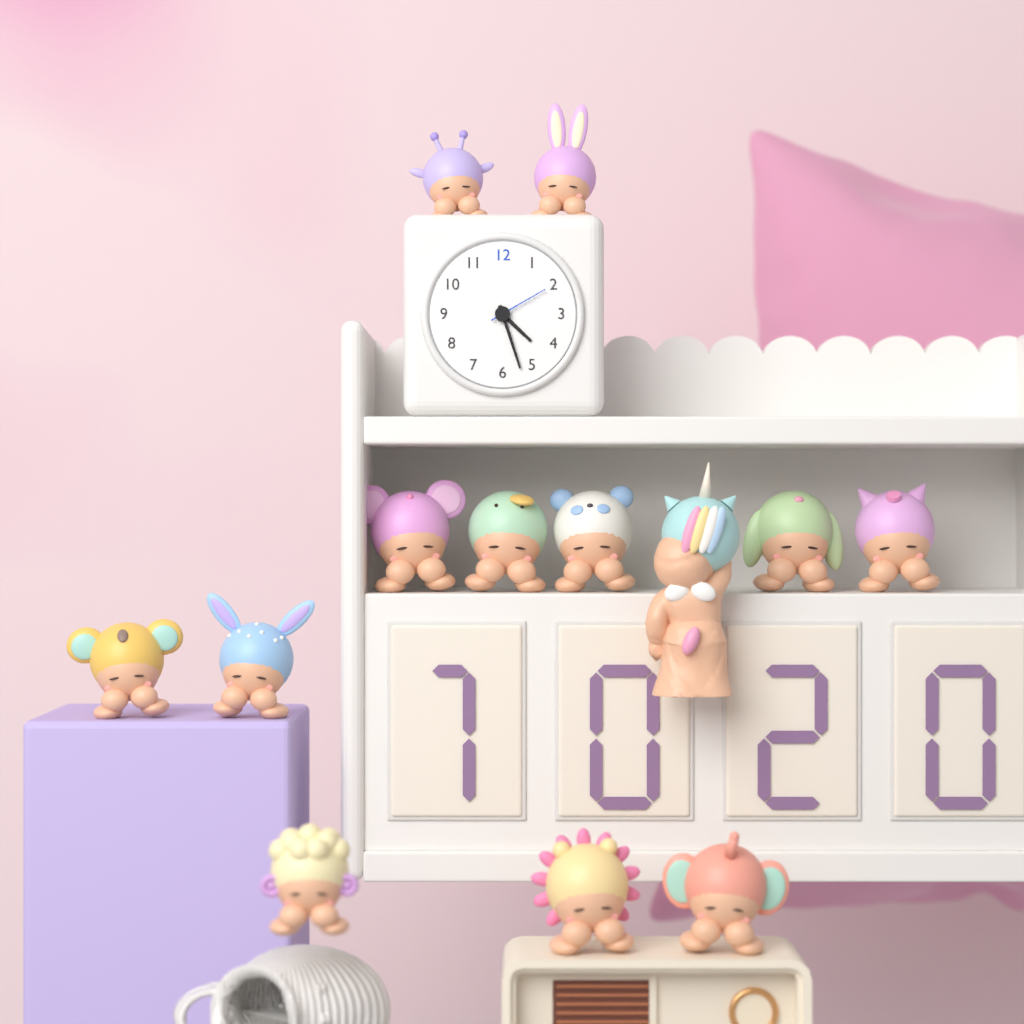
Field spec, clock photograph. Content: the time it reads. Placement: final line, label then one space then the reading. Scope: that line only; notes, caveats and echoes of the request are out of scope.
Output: 4:27:10
